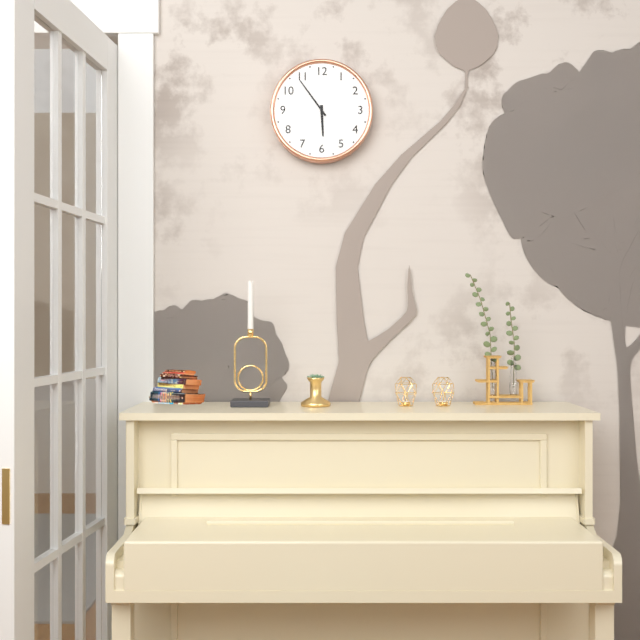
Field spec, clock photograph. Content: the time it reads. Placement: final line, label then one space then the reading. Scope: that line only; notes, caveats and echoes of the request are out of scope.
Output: 5:54
